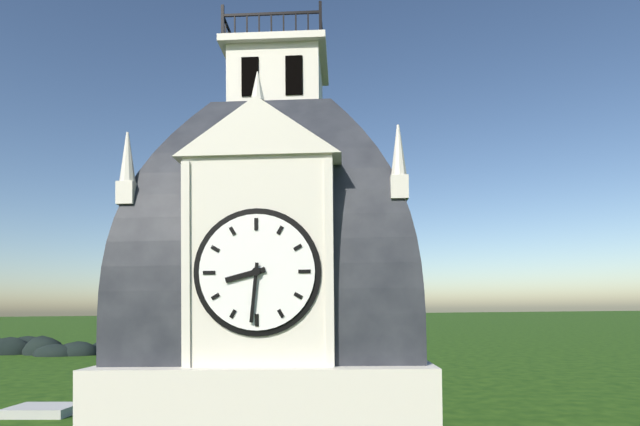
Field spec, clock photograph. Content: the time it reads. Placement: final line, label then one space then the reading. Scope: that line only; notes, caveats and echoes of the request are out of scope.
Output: 8:31
